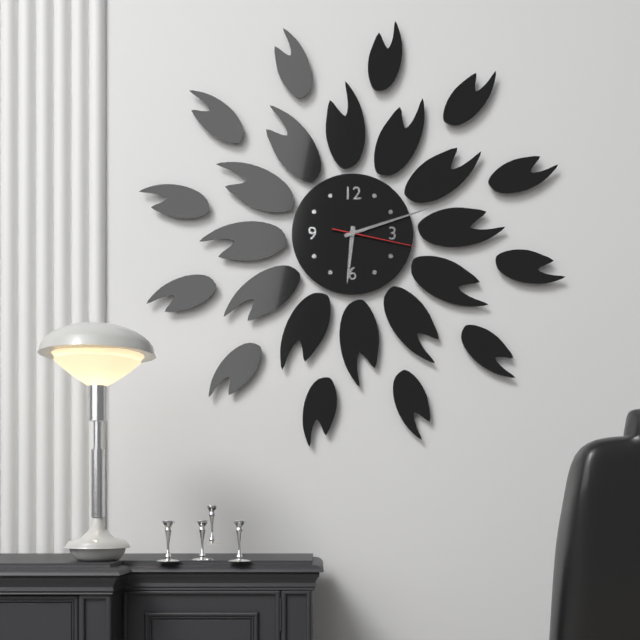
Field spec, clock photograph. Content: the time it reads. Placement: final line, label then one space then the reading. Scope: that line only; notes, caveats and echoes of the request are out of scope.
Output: 6:12:17
